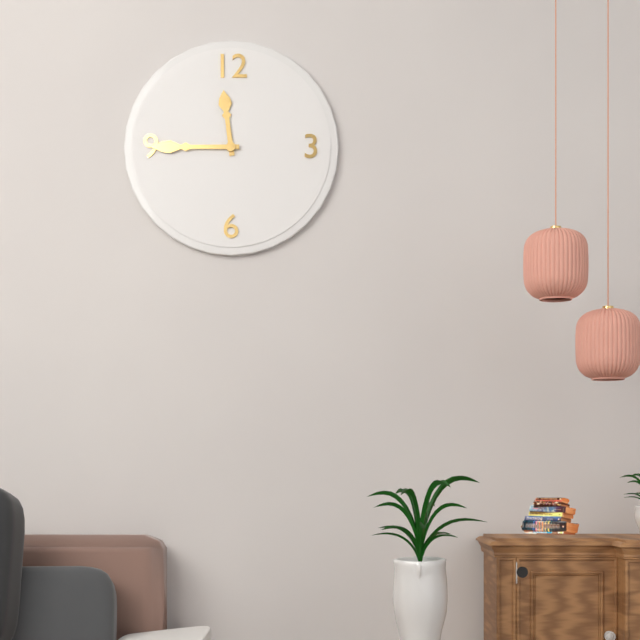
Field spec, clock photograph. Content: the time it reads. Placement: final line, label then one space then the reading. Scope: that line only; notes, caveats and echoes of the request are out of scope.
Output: 11:45
